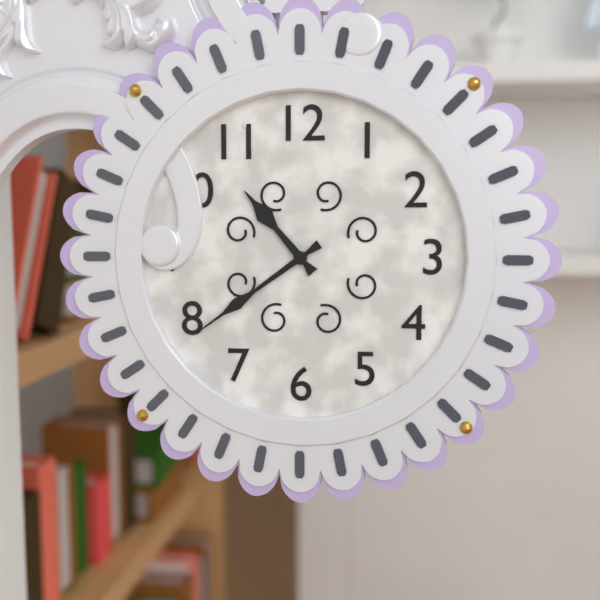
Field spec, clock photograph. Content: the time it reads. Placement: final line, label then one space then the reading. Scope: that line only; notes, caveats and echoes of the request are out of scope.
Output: 10:39
